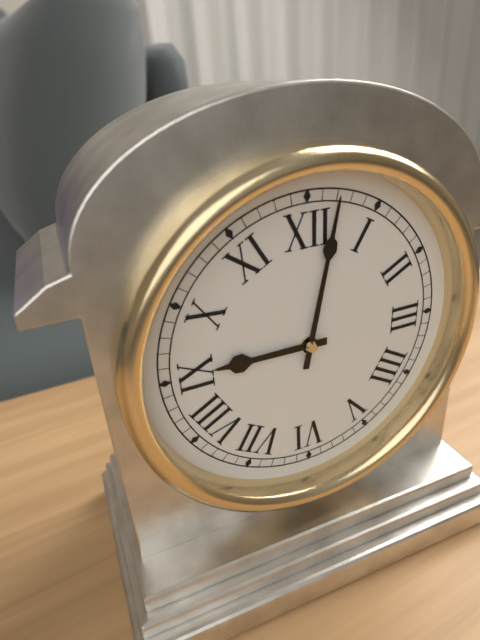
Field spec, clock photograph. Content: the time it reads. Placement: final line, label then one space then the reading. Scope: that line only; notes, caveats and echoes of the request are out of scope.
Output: 9:02
